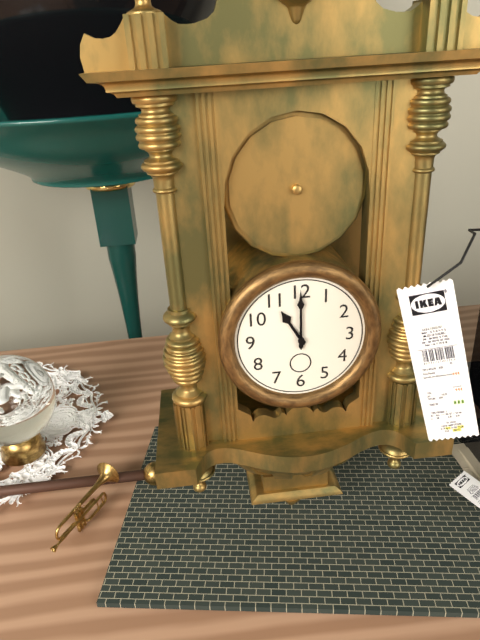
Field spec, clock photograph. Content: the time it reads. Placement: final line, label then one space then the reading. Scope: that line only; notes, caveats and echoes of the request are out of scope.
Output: 11:00
